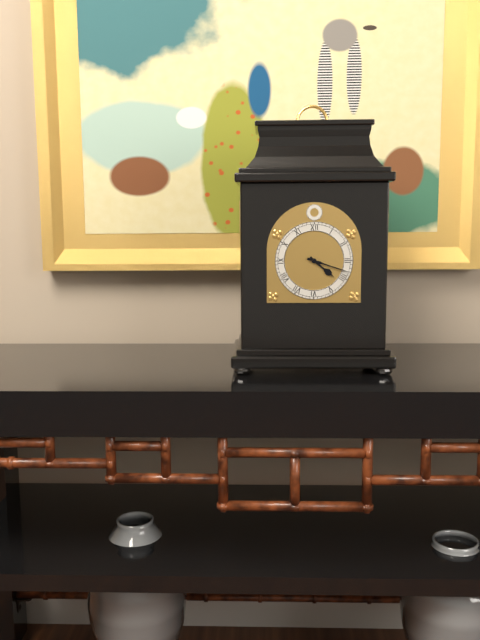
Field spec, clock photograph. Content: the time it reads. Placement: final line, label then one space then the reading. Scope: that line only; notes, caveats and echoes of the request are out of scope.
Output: 4:18
